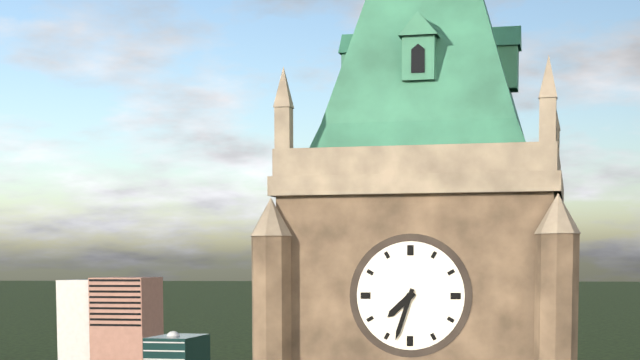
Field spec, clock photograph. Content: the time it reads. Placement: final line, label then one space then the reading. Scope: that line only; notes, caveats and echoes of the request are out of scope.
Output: 7:33
